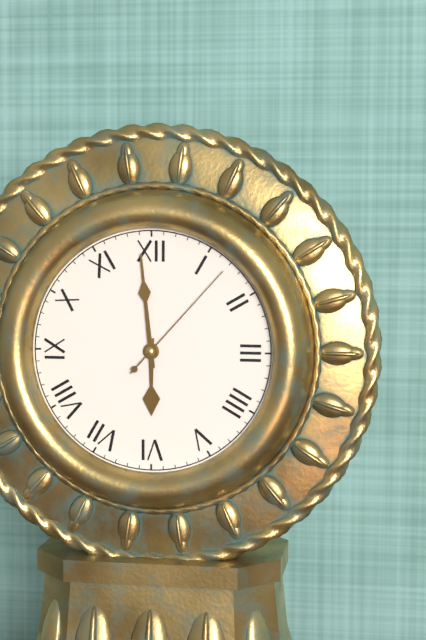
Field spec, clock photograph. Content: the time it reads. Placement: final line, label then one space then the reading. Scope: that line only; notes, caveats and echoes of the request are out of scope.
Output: 5:59:07
